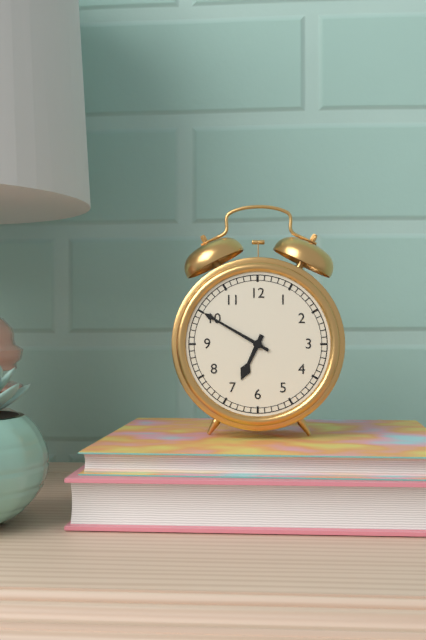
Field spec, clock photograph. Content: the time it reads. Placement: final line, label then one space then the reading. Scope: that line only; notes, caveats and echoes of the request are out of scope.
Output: 6:50
